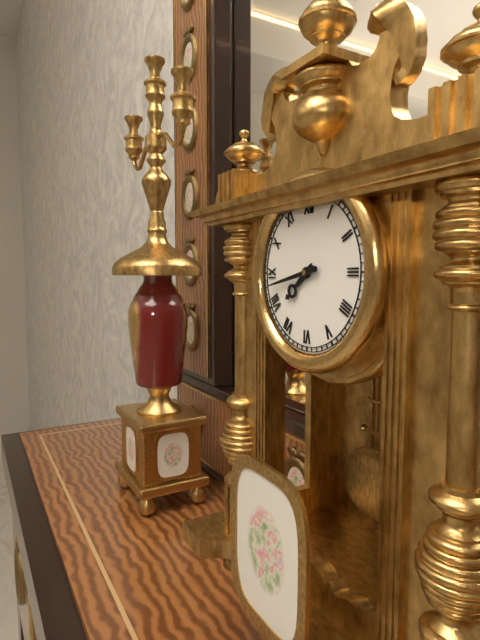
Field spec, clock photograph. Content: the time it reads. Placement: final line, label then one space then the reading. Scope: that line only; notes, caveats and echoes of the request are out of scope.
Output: 7:43
